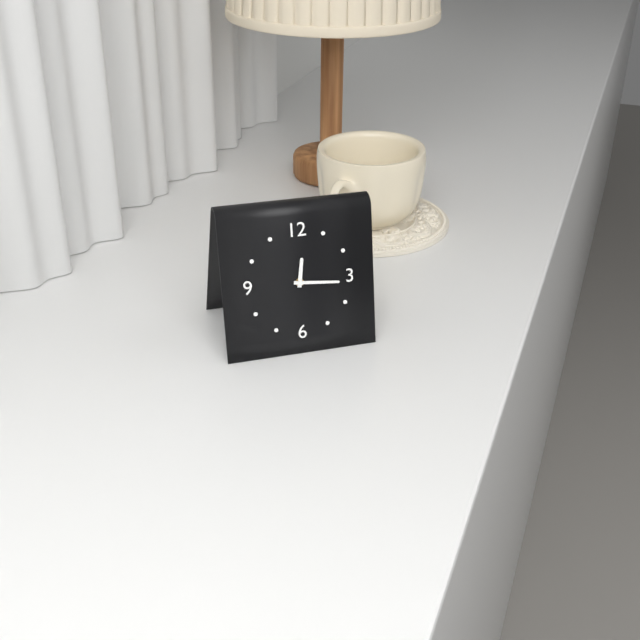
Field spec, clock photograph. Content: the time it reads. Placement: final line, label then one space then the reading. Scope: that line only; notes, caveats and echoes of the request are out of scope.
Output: 12:16
